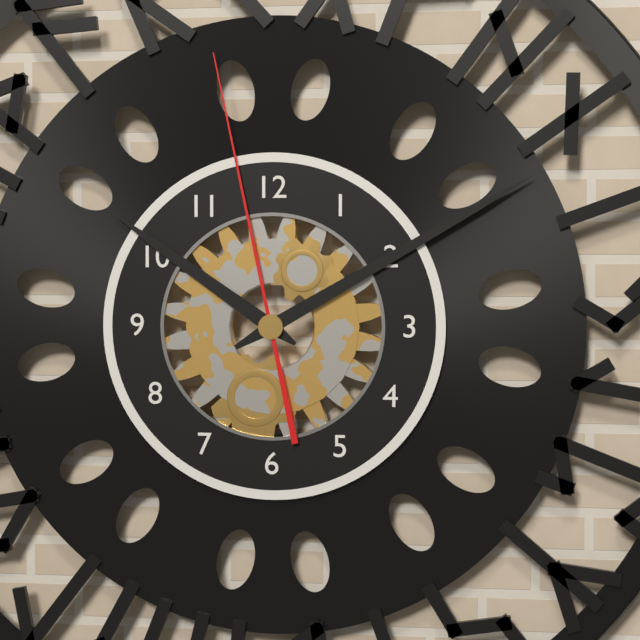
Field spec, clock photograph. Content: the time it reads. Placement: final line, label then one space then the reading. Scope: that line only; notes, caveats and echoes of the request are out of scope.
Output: 10:10:58
